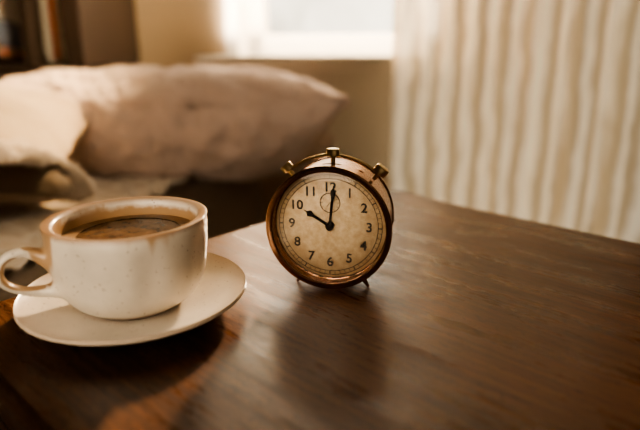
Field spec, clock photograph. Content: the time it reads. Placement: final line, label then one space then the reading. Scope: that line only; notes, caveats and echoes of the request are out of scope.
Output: 10:01:57
